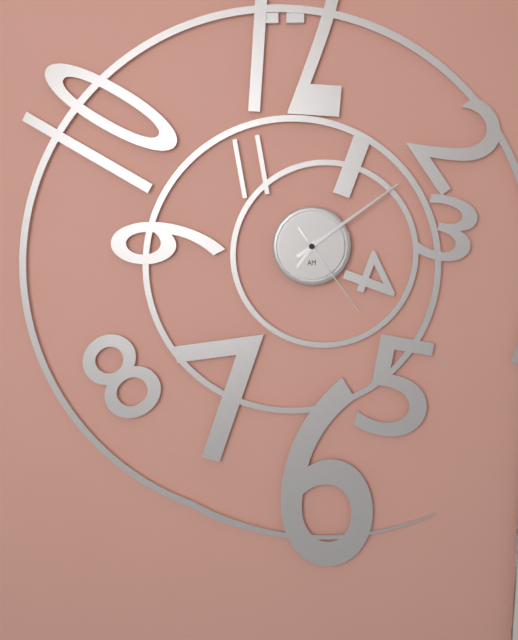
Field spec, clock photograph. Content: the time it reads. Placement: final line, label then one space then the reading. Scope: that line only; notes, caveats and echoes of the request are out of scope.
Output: 7:09:24
